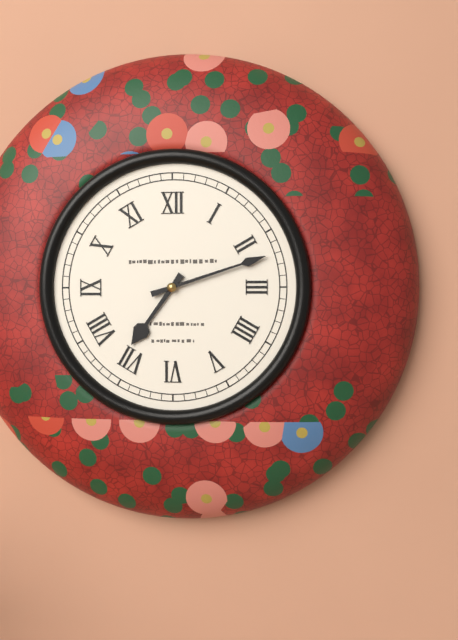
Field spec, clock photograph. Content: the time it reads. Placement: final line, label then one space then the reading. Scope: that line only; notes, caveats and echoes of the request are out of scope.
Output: 7:12
